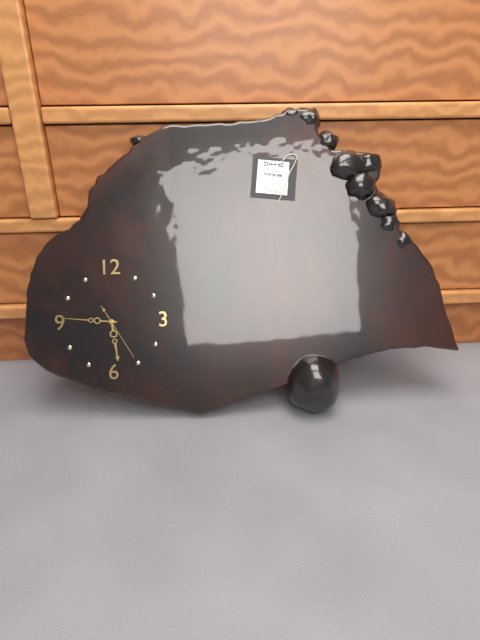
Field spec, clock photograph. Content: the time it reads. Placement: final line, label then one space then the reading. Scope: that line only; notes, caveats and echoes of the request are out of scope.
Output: 5:46:25
